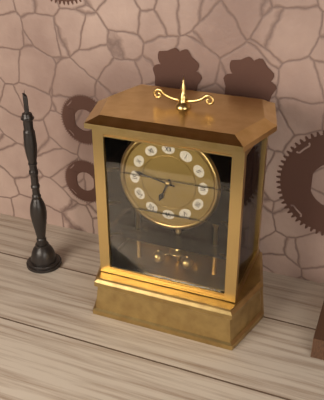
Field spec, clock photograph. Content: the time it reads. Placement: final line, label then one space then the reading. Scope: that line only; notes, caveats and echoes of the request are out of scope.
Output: 6:47
